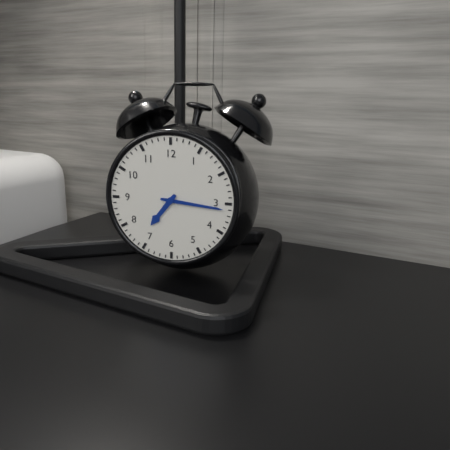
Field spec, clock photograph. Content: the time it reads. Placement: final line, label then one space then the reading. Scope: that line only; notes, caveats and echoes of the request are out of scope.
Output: 7:16
